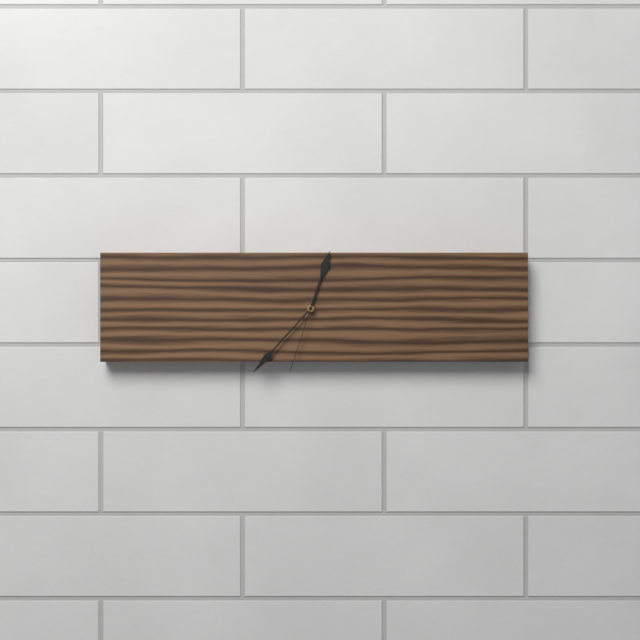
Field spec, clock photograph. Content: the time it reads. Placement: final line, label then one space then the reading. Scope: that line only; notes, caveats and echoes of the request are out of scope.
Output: 12:37:33
